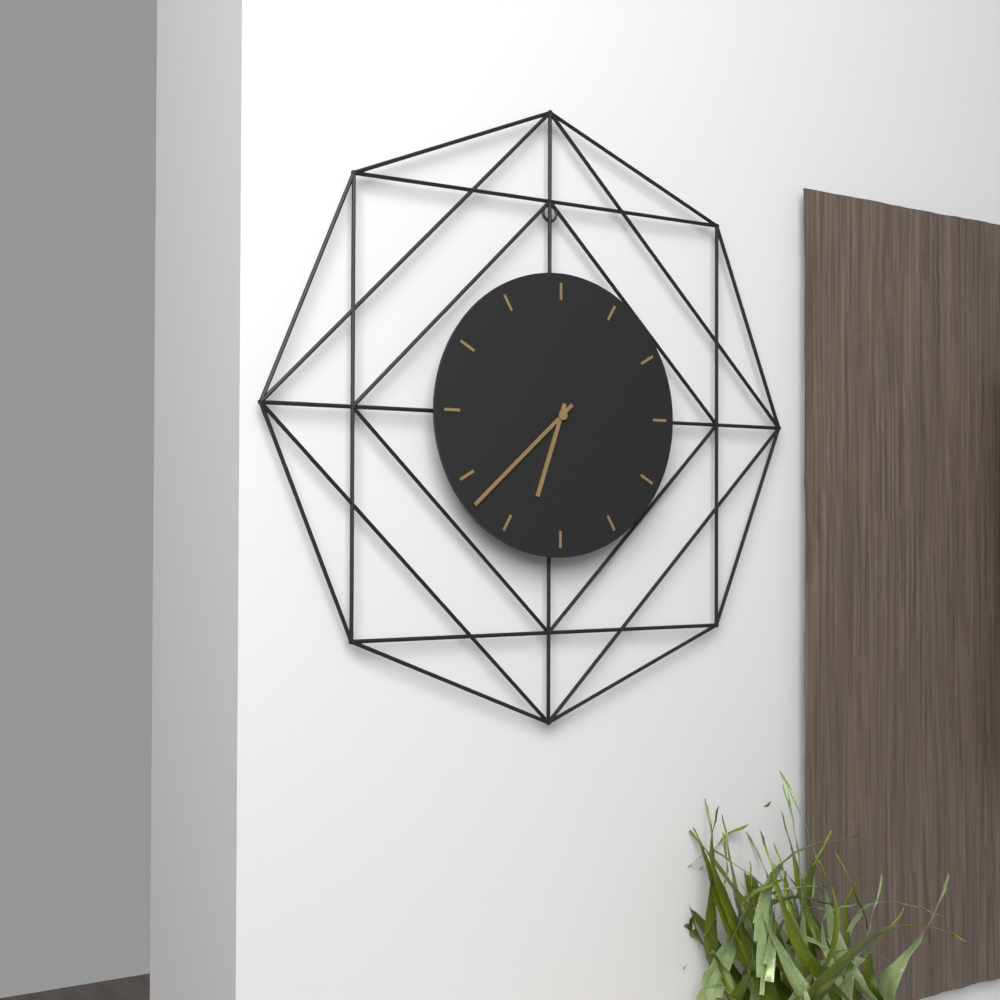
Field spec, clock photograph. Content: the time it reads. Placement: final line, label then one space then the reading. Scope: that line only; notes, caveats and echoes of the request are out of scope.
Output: 6:38
